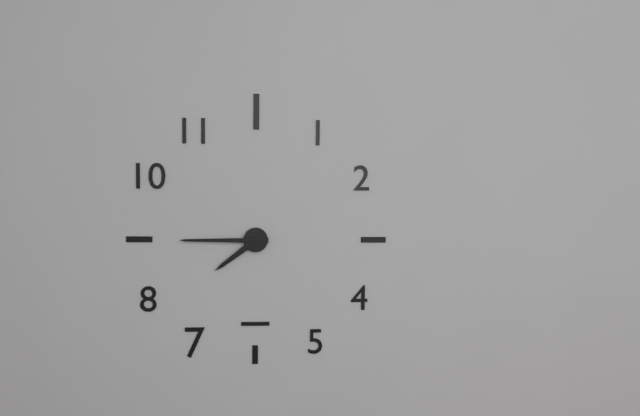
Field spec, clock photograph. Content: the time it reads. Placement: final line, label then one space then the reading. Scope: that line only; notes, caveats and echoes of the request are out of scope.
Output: 7:45
